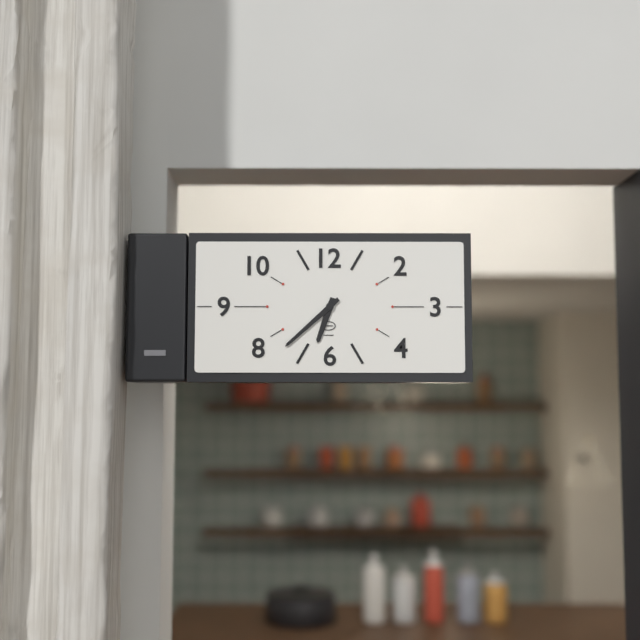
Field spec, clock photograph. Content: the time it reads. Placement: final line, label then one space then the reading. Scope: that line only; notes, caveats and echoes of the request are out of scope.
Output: 6:38
